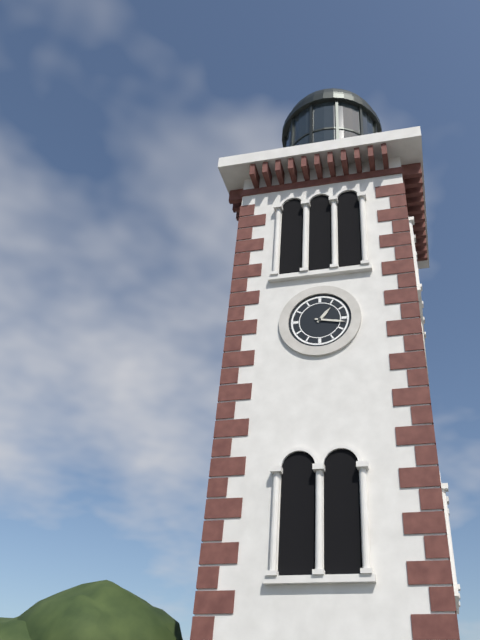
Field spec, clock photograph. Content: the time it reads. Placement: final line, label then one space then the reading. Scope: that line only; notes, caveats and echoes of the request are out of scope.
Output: 1:17
